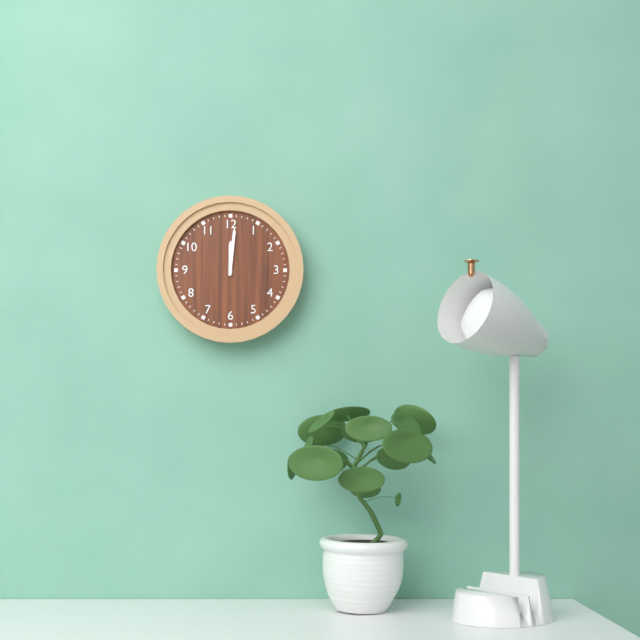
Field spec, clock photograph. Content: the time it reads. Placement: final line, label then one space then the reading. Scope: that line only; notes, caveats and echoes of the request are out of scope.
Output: 12:01
